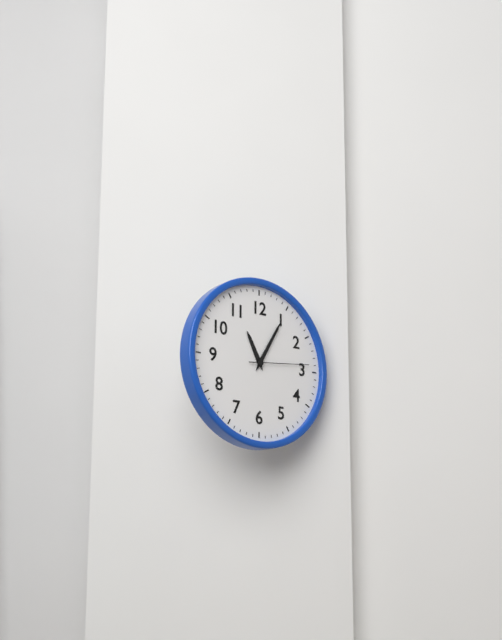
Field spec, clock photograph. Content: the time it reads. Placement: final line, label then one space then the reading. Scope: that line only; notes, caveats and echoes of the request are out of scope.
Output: 11:05:14
